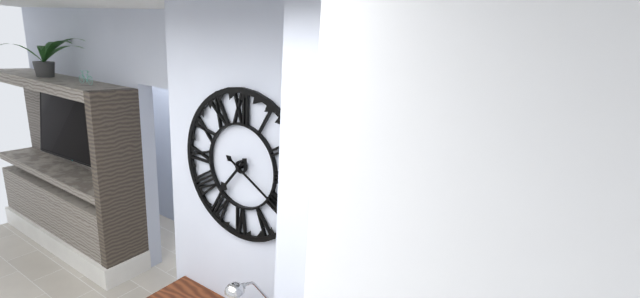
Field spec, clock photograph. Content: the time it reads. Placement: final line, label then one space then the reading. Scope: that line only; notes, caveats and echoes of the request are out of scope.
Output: 7:20
